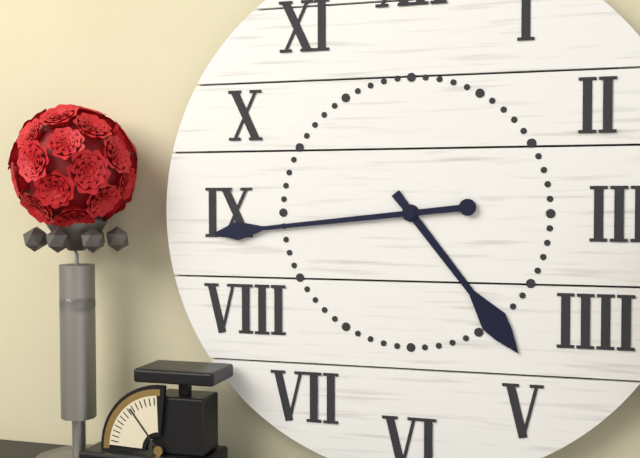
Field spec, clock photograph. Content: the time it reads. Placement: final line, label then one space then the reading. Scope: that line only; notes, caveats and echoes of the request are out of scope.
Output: 4:44
